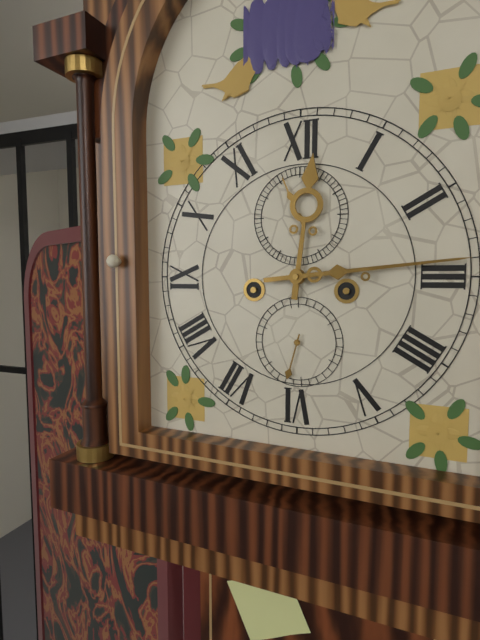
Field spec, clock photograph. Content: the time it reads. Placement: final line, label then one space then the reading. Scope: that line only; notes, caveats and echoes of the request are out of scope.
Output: 12:14:56
